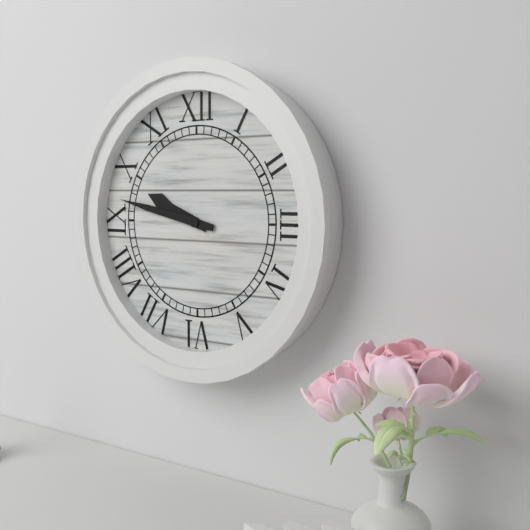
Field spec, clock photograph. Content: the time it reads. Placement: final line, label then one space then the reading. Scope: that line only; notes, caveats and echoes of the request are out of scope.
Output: 9:47
